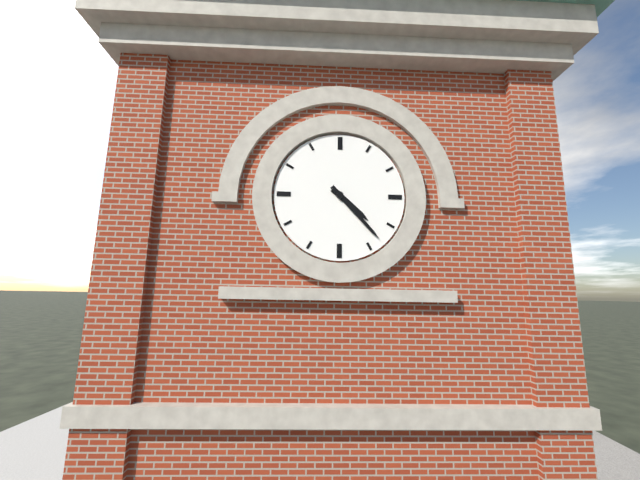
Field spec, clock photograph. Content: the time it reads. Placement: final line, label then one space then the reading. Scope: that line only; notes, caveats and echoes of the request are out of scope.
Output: 4:23
